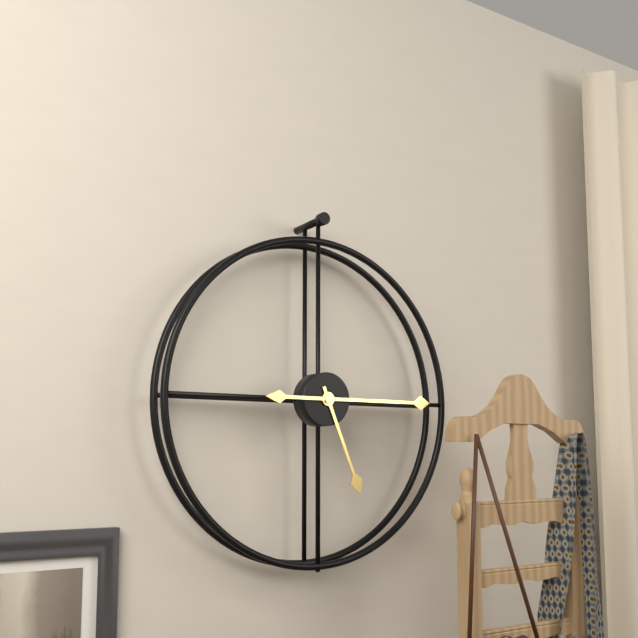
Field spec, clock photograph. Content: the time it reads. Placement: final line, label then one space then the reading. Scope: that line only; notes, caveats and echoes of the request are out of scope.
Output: 5:15
